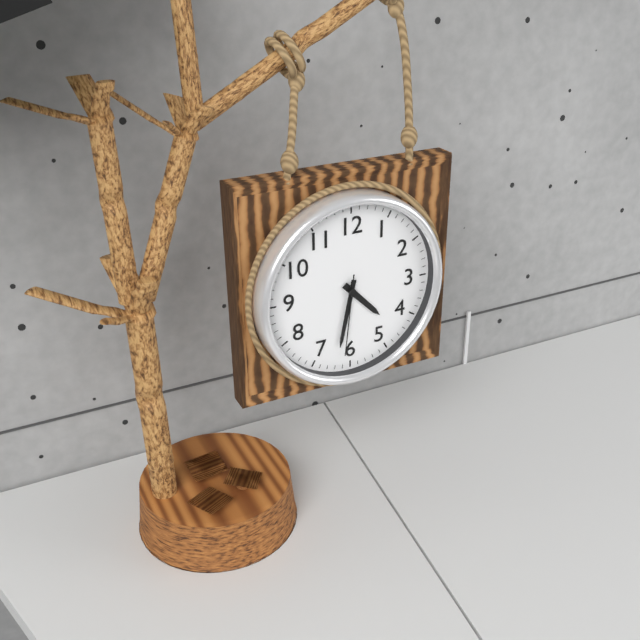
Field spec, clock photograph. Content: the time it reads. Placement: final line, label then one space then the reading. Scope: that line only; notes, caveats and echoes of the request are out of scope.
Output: 4:32:31
